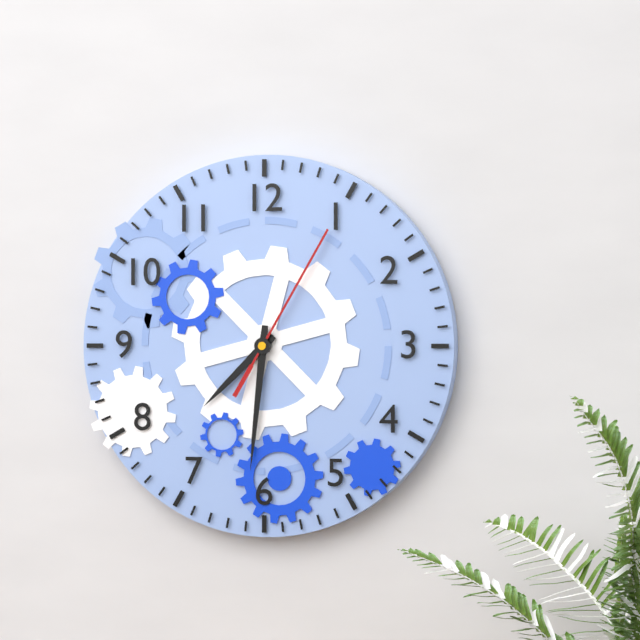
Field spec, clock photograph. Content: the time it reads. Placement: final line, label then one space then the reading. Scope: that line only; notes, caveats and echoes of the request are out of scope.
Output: 7:31:05
